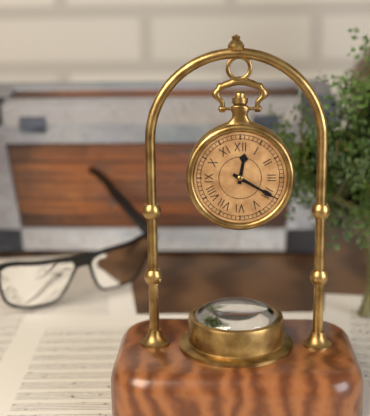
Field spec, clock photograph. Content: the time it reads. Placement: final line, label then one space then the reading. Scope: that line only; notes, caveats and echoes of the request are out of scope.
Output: 12:20
